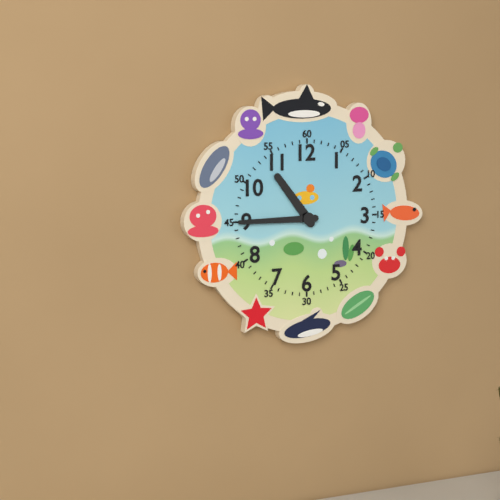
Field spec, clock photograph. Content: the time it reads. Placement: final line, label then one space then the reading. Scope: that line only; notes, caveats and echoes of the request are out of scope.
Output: 10:45
